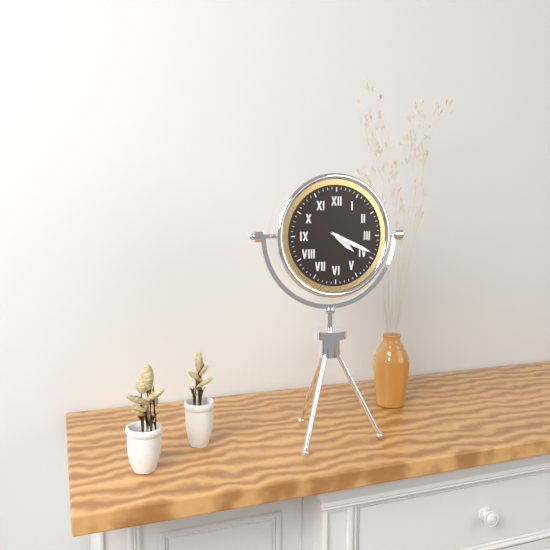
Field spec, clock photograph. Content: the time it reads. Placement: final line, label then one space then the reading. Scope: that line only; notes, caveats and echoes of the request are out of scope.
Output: 4:19
